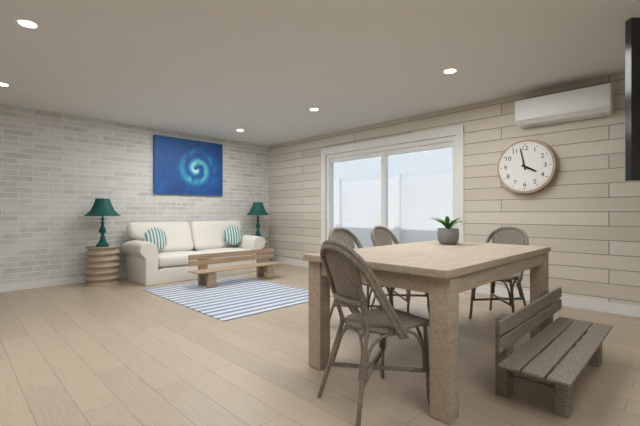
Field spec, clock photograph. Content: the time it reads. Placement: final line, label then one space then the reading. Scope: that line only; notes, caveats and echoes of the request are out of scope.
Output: 3:58
